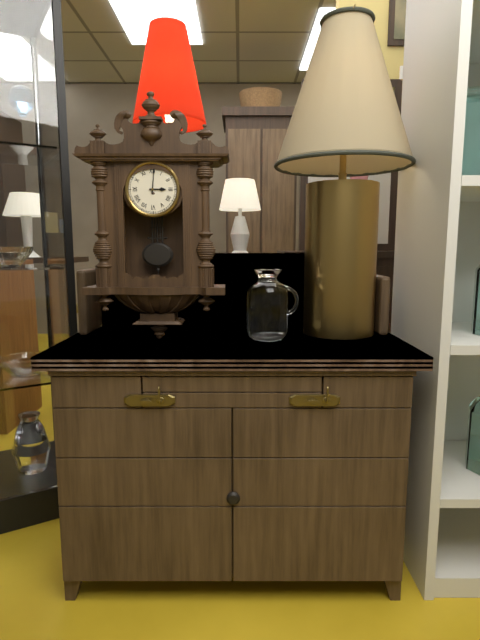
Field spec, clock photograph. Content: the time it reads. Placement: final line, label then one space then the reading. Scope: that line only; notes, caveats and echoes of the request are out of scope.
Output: 3:01
